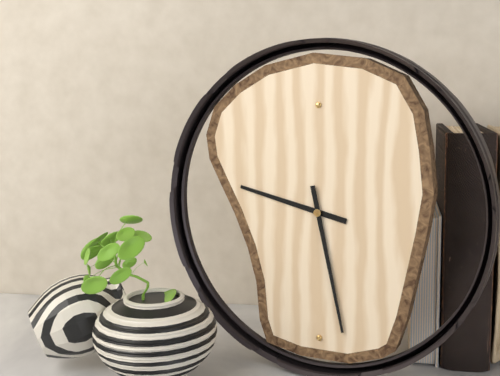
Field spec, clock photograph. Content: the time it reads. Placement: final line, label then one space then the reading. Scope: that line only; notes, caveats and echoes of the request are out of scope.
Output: 9:28
